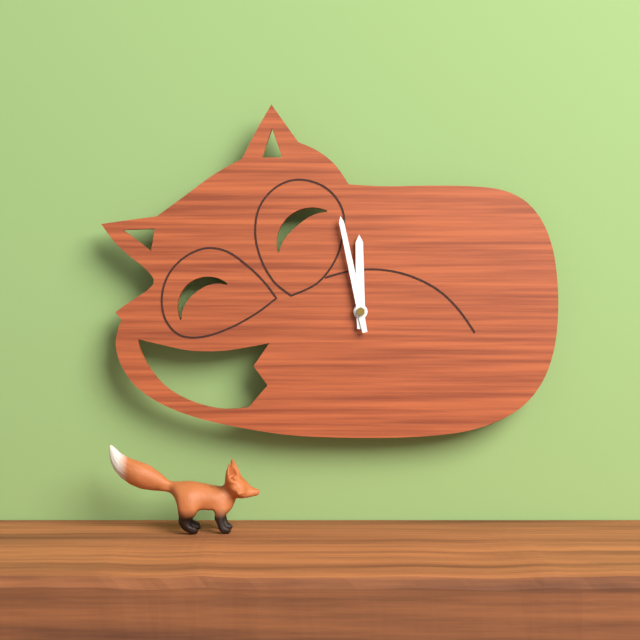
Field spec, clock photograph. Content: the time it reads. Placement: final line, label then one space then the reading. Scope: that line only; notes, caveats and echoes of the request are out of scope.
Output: 11:58
